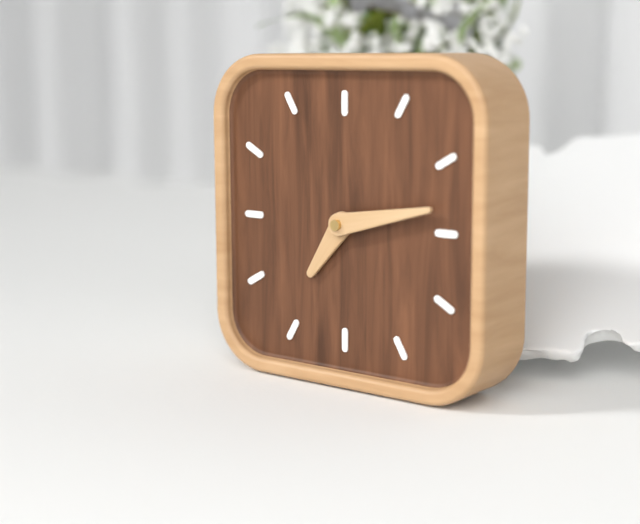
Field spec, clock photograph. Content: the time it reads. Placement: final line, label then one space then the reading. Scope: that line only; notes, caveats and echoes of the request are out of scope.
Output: 7:13
